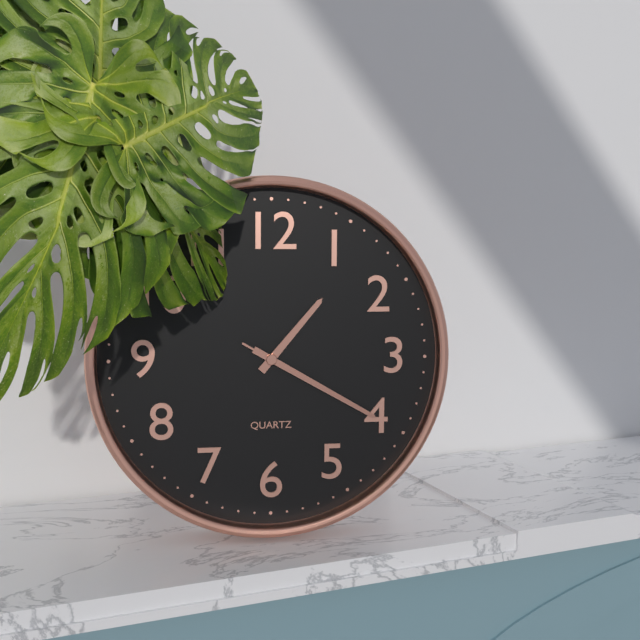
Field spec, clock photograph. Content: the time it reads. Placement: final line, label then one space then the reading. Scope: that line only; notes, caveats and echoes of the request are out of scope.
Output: 1:20:20
